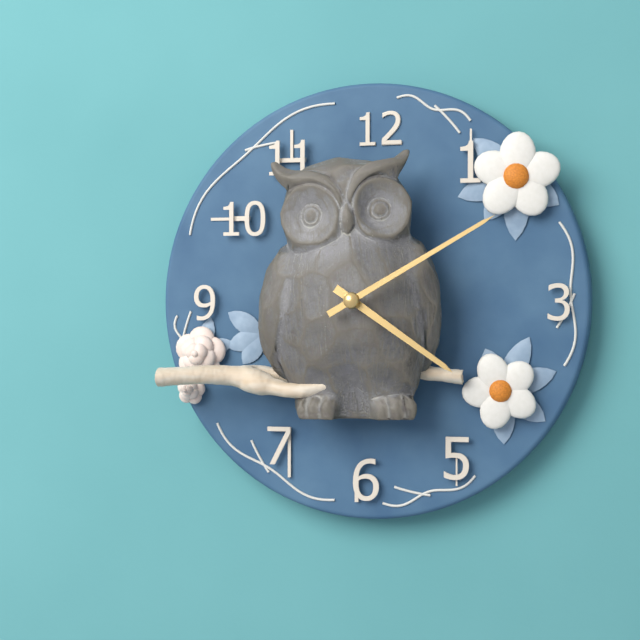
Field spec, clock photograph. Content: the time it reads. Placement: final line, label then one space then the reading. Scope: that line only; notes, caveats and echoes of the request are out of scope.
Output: 4:10
